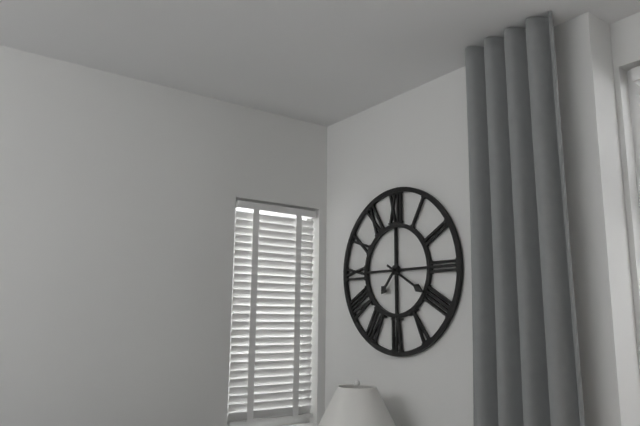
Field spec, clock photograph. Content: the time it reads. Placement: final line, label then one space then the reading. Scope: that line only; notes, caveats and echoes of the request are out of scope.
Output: 7:20
